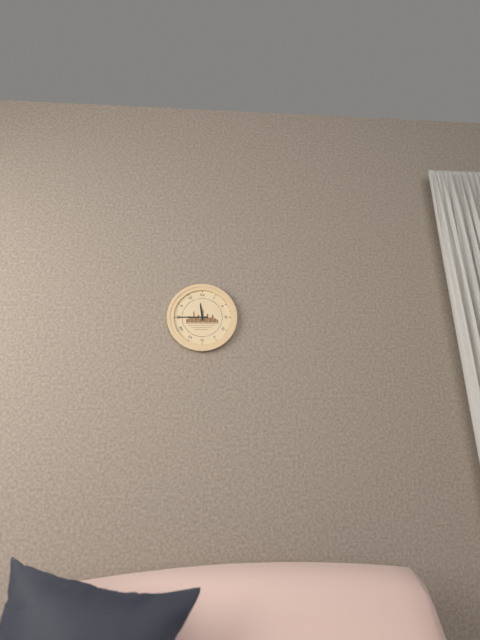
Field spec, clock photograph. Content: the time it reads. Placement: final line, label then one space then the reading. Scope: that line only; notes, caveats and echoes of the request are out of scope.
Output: 11:45
